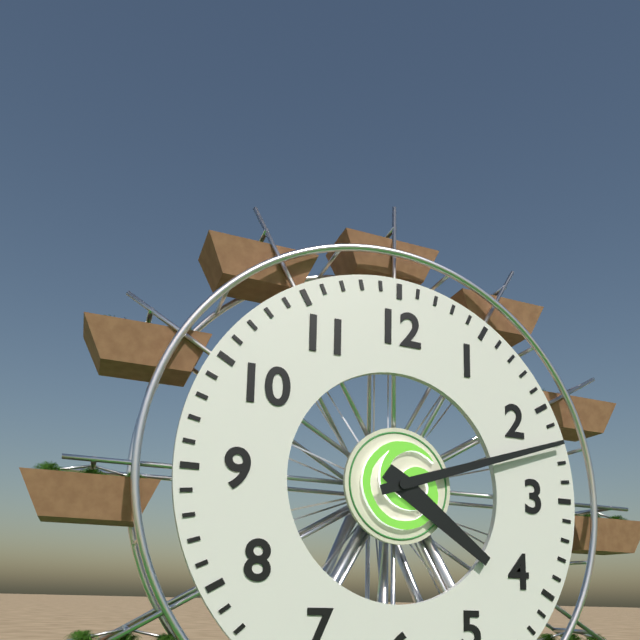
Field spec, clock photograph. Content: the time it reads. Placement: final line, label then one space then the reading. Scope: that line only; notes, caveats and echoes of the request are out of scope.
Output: 4:12
